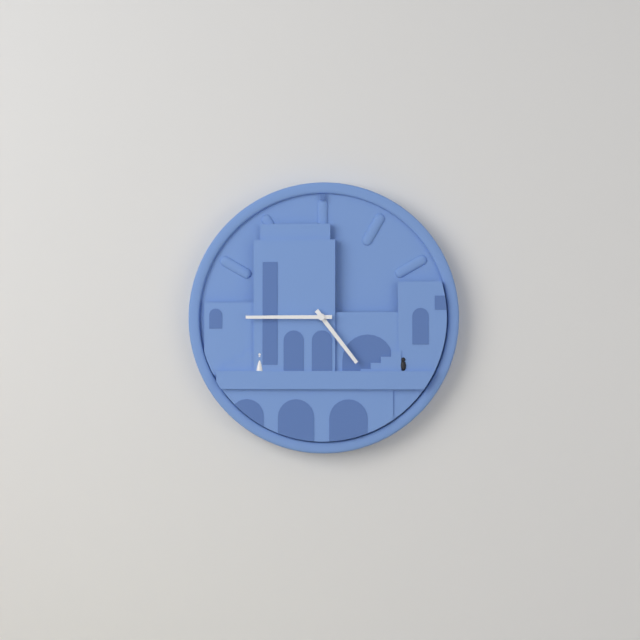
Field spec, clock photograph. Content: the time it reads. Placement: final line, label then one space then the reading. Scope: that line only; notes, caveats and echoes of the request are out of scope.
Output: 4:45
